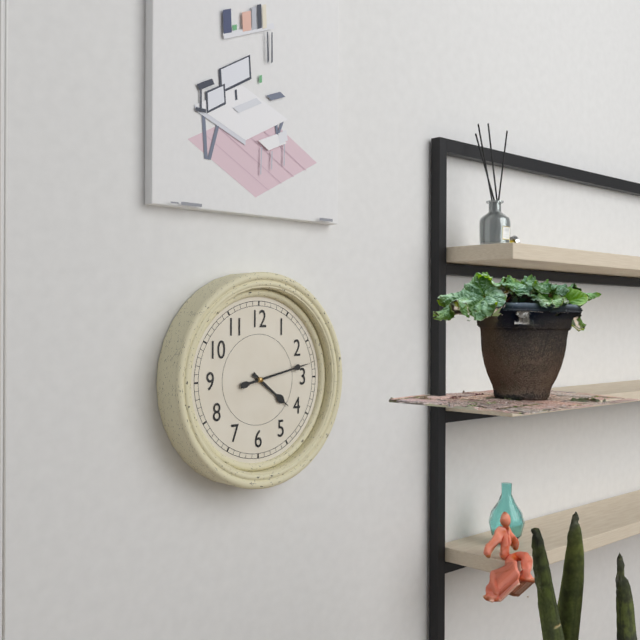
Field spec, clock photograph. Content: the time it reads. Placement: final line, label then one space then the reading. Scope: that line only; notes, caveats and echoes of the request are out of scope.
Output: 4:13
